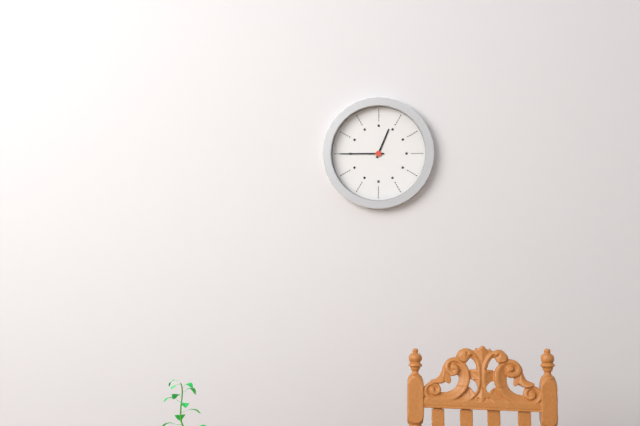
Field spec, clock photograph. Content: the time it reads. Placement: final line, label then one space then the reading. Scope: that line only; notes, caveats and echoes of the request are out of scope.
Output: 12:45
